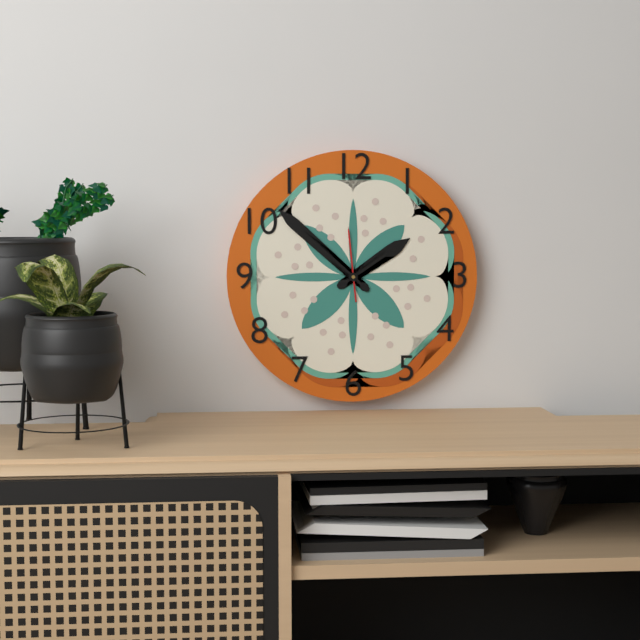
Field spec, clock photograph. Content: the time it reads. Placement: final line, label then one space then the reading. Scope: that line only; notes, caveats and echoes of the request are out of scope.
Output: 1:52:59
